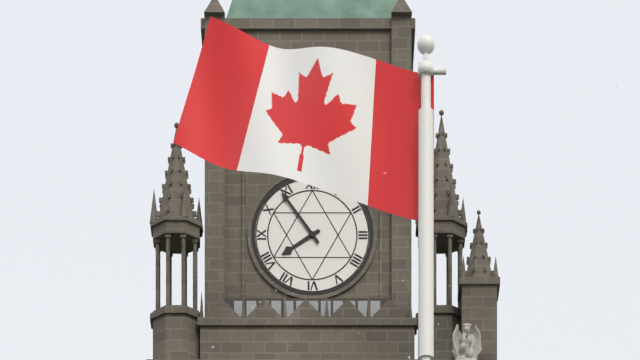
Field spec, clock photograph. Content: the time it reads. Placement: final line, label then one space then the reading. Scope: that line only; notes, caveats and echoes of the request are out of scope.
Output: 7:54
